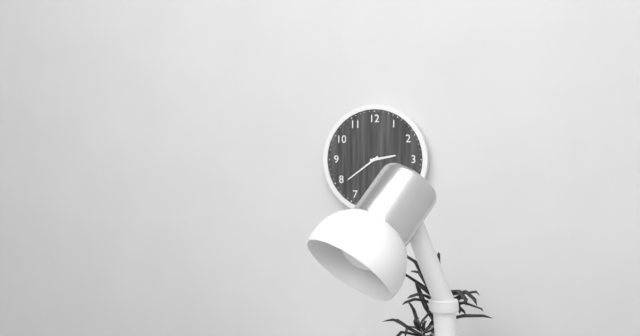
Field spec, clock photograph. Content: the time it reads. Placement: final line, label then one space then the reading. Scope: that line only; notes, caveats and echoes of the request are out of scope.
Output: 2:39
